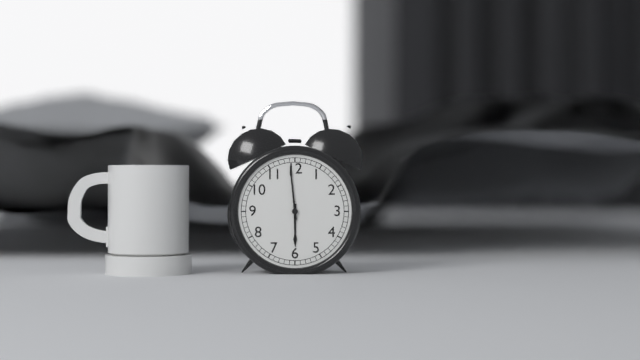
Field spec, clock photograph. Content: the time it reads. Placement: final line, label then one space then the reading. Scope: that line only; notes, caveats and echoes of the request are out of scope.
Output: 5:59
